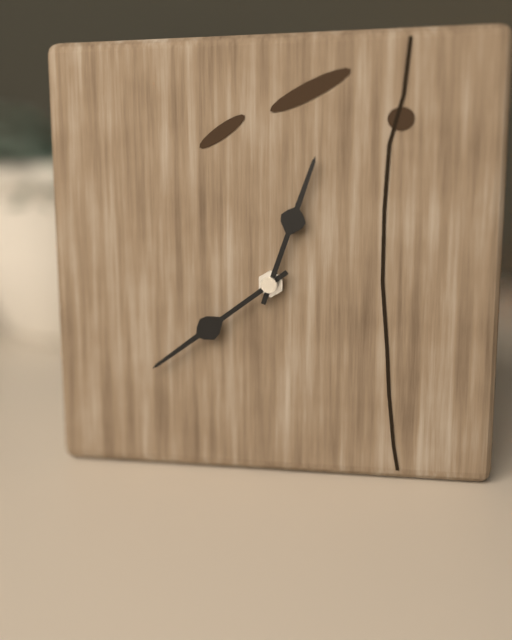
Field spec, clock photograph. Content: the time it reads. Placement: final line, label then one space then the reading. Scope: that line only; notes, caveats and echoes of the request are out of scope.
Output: 12:39
